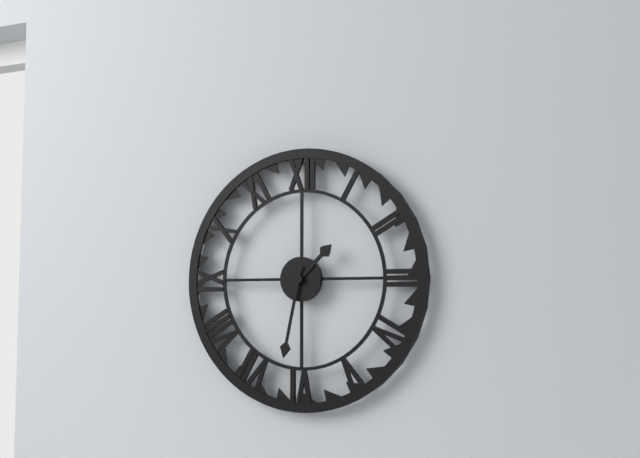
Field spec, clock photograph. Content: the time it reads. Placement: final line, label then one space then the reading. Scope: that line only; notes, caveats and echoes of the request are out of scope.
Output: 1:32
